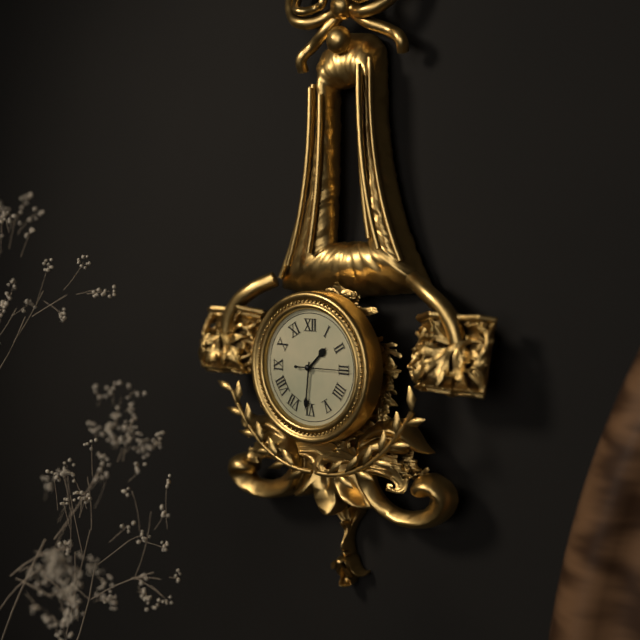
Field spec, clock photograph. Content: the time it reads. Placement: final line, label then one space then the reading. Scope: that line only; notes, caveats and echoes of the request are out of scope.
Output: 1:31:15
